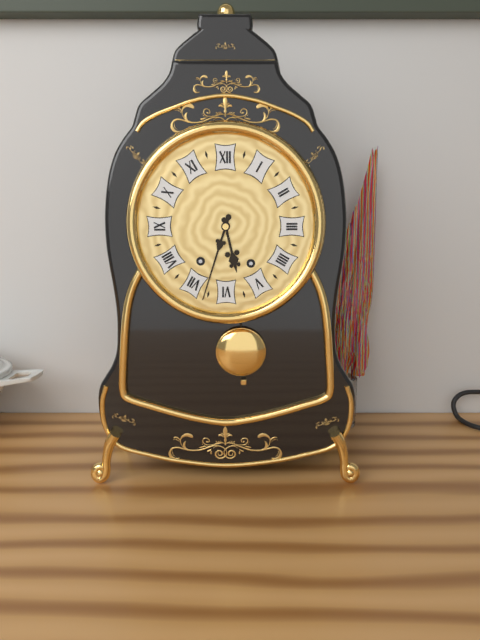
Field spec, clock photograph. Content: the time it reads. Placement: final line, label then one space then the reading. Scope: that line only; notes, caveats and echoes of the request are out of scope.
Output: 5:33
